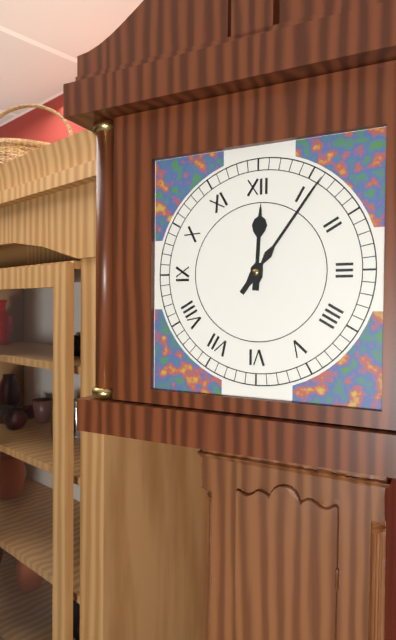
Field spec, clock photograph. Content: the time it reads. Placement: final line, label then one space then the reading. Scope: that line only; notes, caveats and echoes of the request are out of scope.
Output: 12:06
